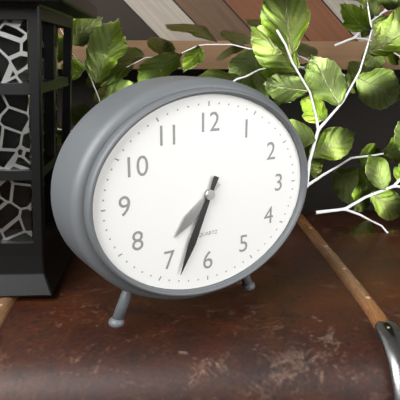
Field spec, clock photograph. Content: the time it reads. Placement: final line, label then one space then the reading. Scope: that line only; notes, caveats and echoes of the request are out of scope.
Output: 7:34
